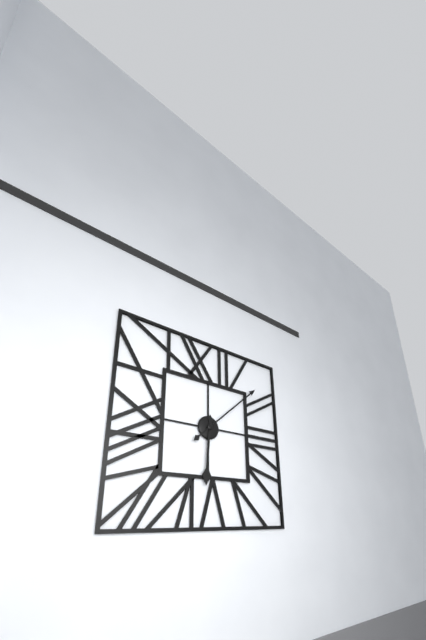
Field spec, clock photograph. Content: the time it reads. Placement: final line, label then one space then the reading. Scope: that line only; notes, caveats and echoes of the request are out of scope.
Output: 6:08
